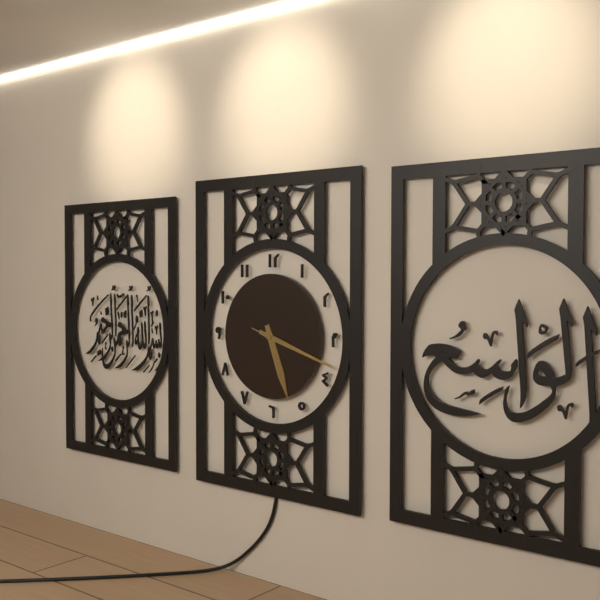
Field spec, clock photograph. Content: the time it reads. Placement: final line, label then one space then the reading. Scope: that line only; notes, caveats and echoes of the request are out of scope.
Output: 5:18:18
